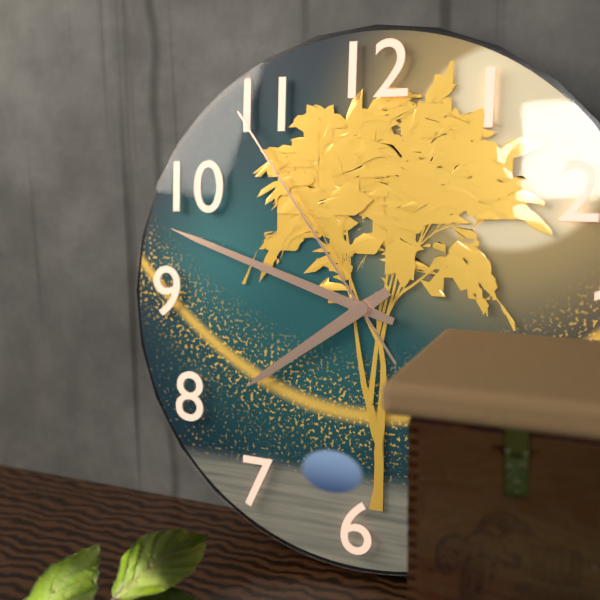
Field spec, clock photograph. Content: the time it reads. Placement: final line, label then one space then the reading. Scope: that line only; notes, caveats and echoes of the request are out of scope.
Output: 7:48:54
